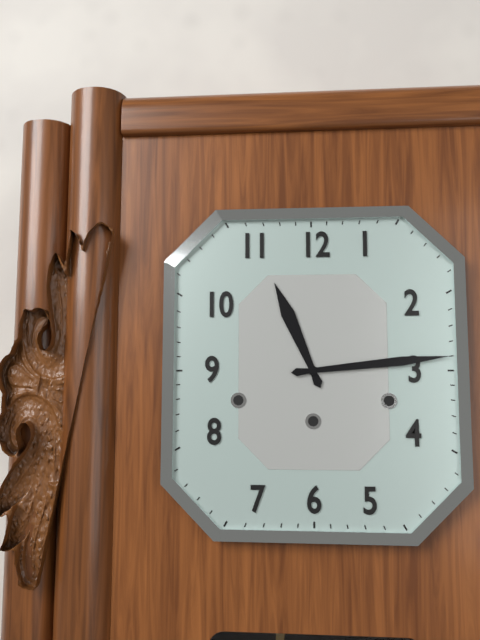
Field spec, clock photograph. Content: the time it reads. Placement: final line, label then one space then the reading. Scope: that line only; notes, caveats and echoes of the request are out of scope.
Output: 11:14
